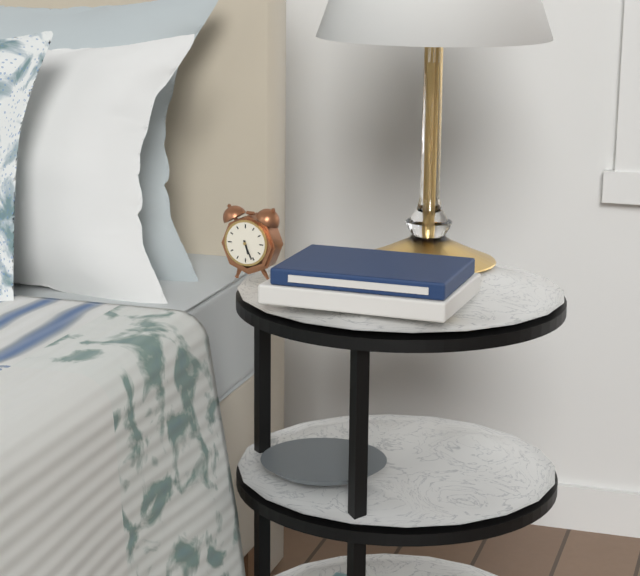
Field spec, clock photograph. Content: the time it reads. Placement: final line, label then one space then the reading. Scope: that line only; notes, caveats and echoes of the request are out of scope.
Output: 5:26
